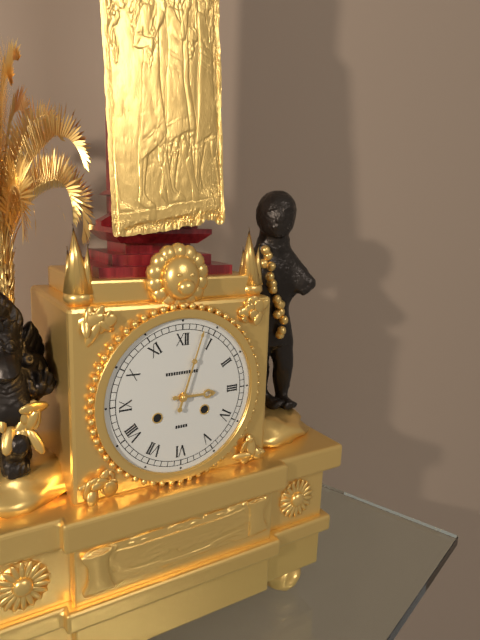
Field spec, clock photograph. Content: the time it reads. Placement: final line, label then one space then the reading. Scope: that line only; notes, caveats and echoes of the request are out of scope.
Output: 3:03
